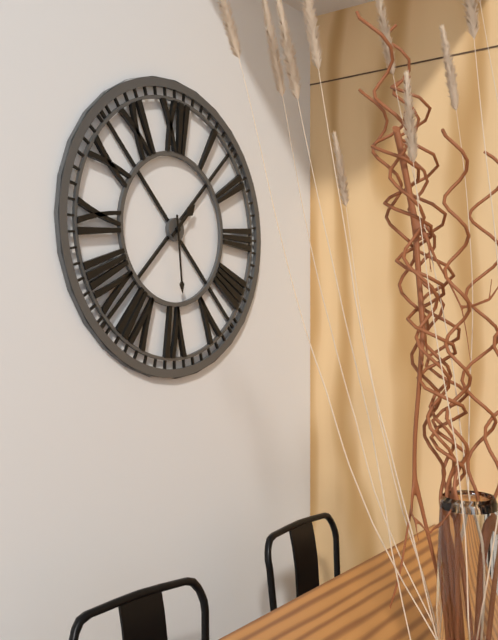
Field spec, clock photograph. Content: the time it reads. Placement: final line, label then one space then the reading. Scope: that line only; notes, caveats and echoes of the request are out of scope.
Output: 1:29
